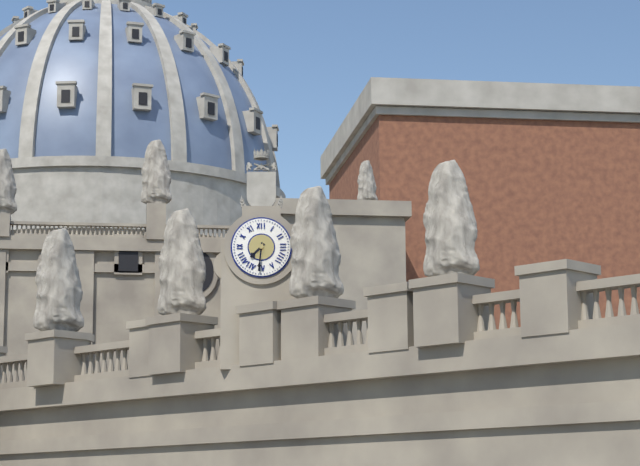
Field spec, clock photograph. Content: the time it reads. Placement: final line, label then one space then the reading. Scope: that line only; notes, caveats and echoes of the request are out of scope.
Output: 7:31
